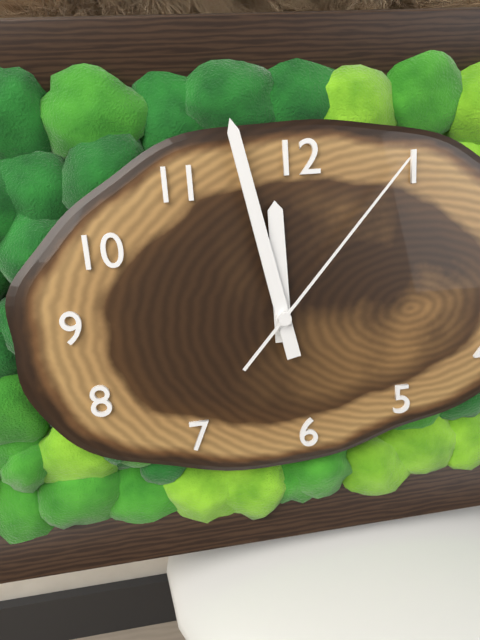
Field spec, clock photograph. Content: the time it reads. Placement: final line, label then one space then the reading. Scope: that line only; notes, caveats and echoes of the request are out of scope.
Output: 11:58:07
